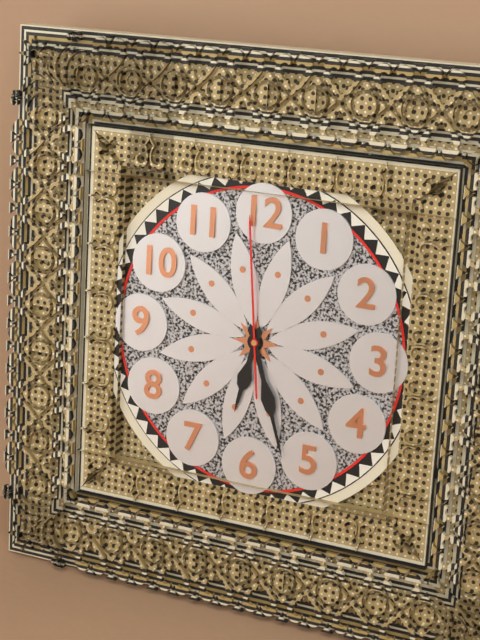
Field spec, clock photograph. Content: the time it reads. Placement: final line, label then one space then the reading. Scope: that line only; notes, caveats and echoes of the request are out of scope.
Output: 6:27:59
